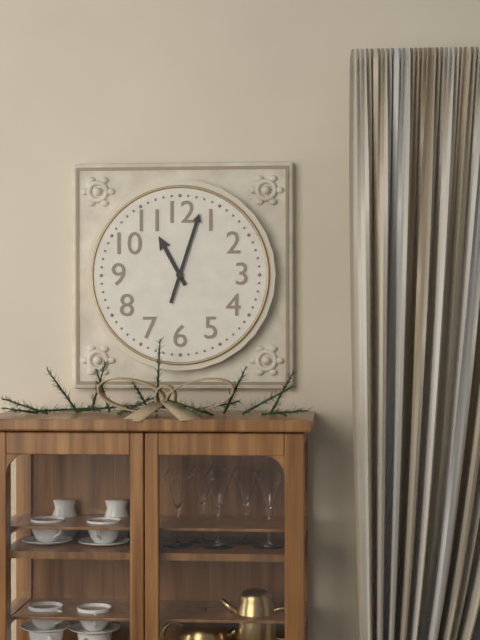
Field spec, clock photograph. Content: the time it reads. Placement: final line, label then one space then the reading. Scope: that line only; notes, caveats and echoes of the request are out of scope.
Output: 11:03
